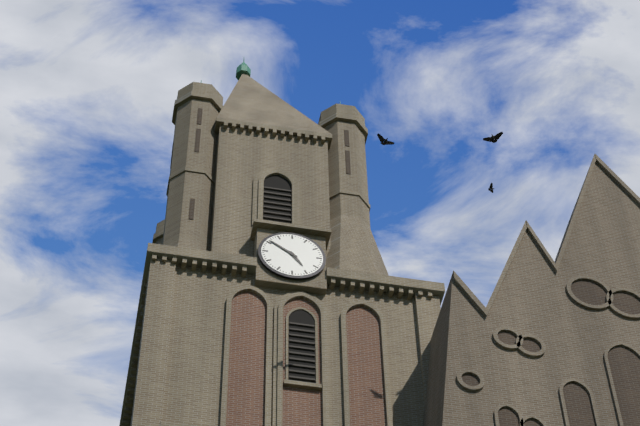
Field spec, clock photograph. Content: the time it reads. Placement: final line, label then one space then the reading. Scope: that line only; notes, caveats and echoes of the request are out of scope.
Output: 4:51
